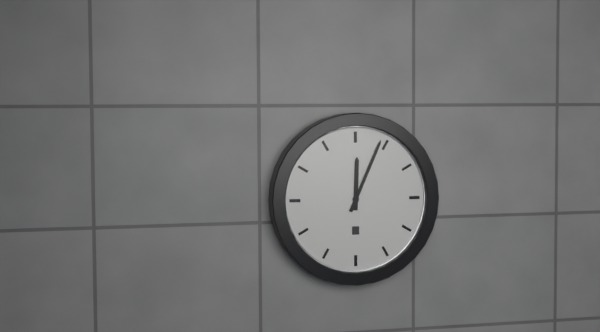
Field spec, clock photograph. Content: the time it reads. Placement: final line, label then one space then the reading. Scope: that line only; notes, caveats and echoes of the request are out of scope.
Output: 12:04
